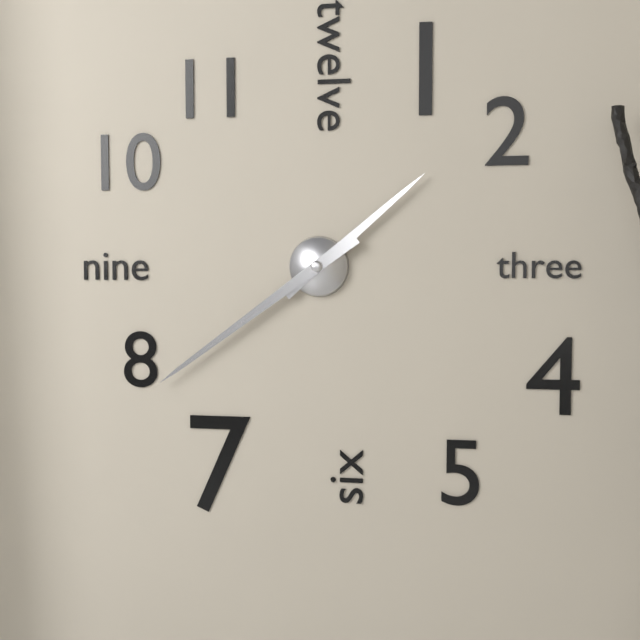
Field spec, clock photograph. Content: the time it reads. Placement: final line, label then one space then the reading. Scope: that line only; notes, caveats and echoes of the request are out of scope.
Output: 1:39
